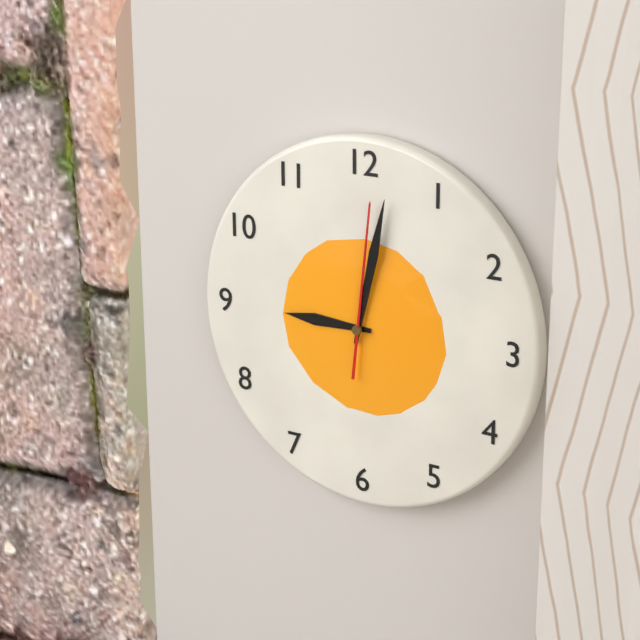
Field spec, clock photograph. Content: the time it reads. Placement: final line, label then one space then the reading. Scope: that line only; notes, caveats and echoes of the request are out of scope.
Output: 9:02:01
